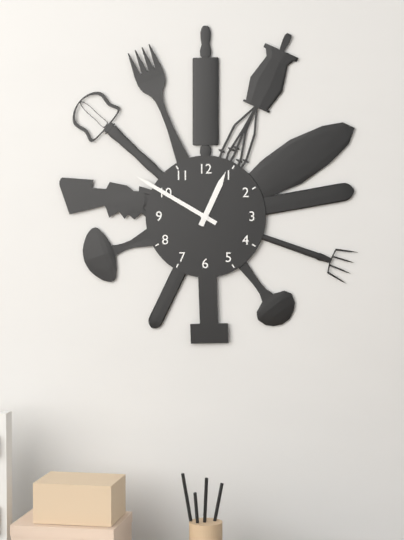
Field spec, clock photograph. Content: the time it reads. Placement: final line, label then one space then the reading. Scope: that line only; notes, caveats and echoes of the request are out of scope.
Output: 12:50
